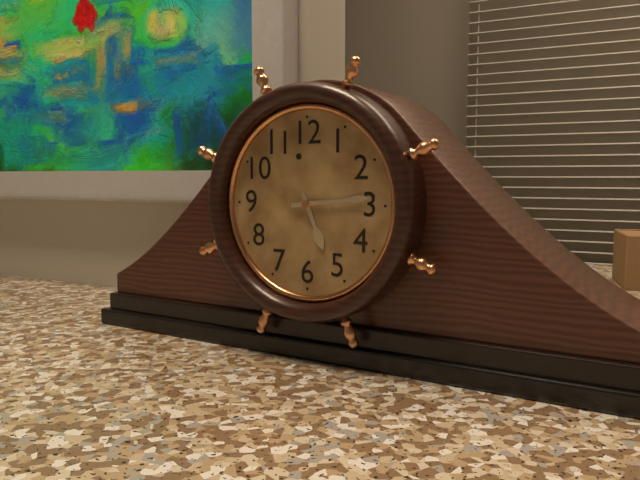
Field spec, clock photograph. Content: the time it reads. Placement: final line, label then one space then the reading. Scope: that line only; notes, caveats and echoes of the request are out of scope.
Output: 5:14
